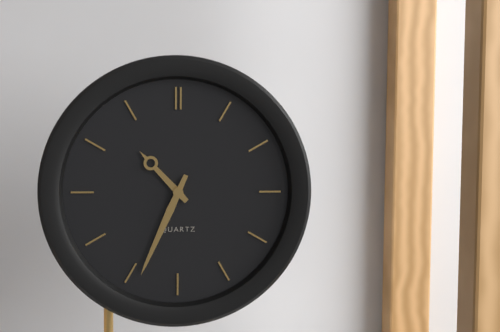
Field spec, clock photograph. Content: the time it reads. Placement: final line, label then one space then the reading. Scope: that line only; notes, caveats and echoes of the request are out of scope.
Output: 10:34
